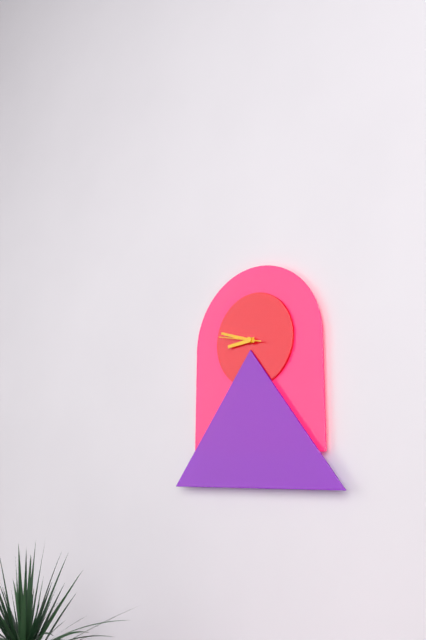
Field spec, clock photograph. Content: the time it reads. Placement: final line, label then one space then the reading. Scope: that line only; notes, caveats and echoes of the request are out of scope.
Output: 8:48
